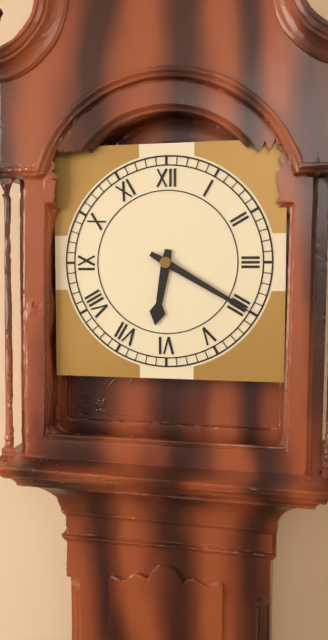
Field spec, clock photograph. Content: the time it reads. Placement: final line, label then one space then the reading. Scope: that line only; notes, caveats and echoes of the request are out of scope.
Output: 6:20
